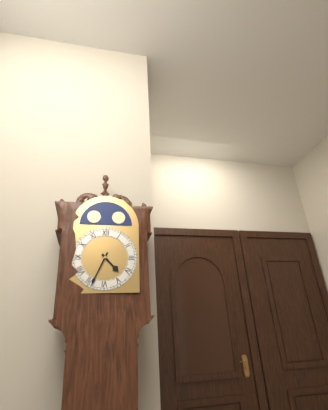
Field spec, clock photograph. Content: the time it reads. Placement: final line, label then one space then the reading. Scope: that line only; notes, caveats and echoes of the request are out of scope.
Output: 4:34
